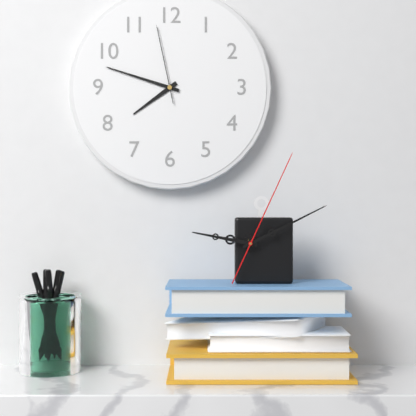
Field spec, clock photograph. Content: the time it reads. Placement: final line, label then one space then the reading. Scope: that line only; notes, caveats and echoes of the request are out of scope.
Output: 7:48:58
